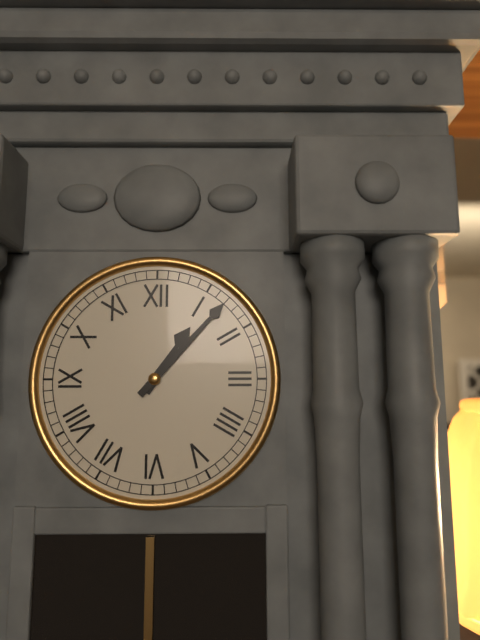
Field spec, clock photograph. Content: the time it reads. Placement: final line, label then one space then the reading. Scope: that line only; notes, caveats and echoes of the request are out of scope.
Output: 1:07
